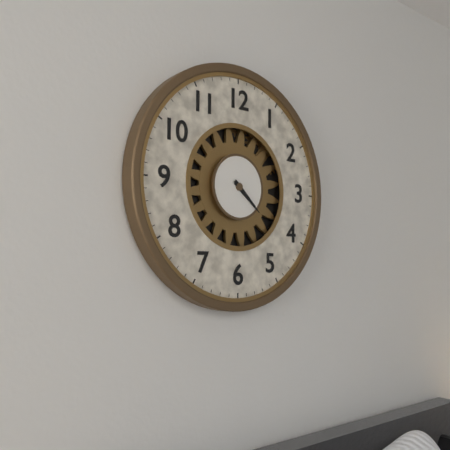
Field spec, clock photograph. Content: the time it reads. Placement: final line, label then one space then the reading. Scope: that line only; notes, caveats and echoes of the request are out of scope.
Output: 4:22
